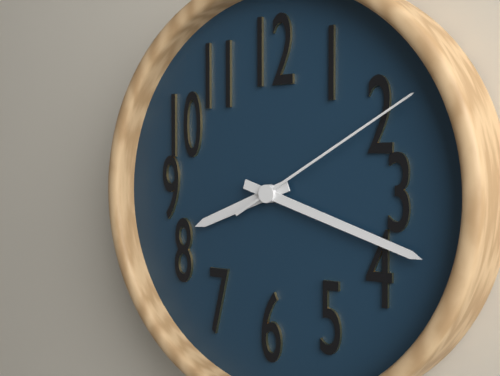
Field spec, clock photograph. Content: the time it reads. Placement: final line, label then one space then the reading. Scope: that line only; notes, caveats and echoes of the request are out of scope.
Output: 8:18:10
